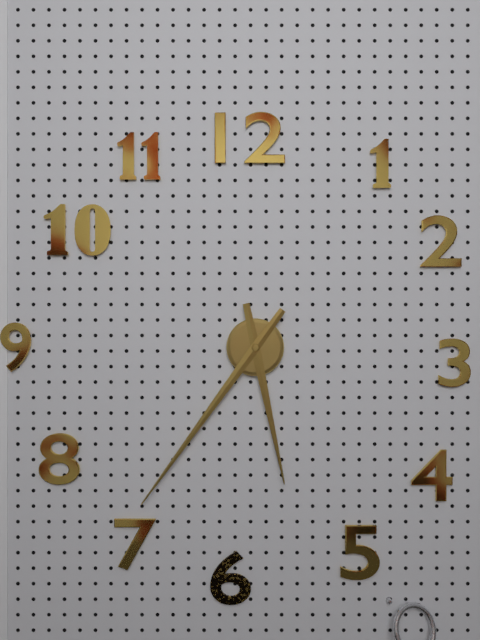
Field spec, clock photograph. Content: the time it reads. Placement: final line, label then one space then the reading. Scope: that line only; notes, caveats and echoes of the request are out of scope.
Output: 5:36
